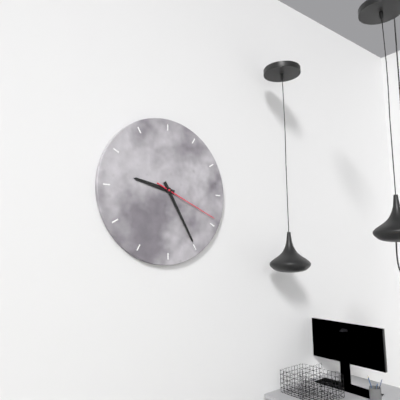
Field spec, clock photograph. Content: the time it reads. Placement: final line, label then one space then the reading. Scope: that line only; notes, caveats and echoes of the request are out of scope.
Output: 9:25:19
